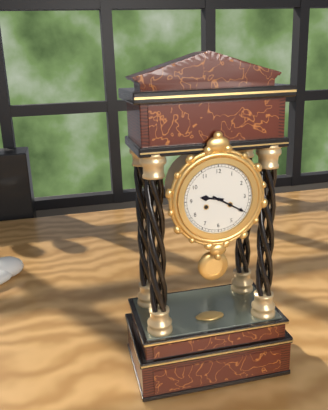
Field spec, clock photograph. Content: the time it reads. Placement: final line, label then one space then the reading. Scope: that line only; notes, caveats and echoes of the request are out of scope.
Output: 9:20
